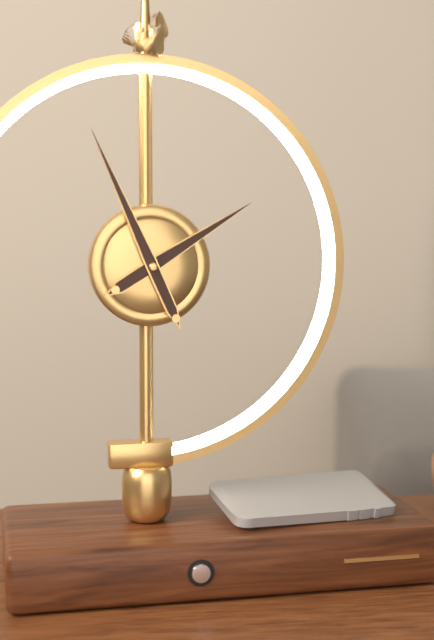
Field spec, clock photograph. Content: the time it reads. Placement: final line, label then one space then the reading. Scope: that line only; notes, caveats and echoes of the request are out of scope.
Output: 1:56
